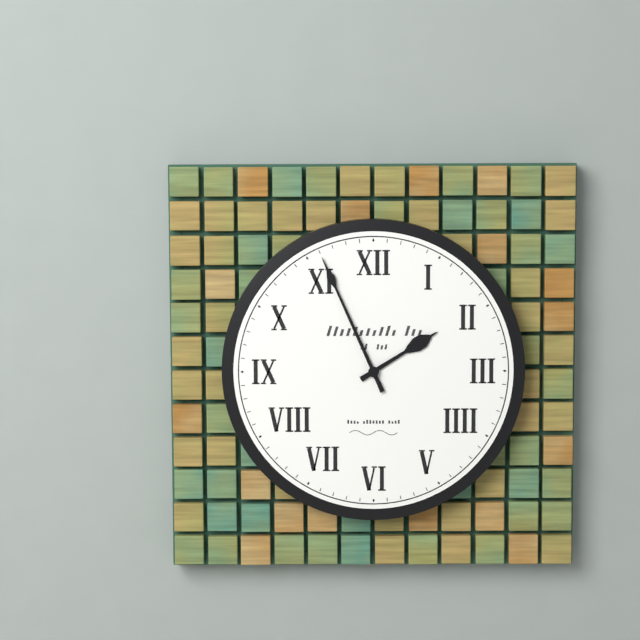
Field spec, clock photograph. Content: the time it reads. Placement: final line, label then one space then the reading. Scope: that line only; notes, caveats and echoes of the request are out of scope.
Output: 1:56
